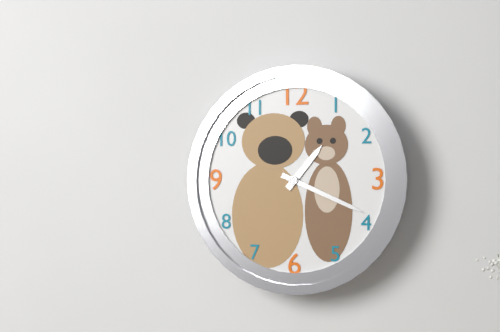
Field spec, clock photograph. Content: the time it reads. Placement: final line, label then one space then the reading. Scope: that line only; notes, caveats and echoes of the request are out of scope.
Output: 1:19
